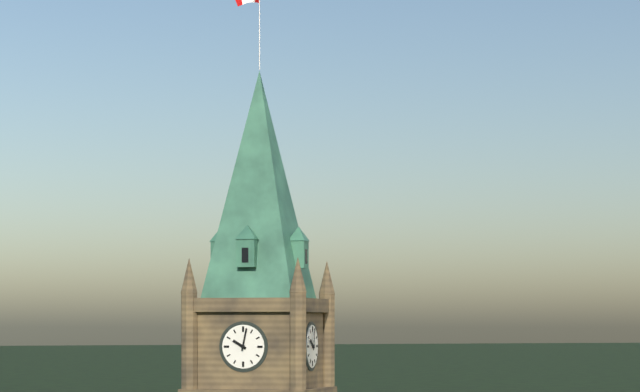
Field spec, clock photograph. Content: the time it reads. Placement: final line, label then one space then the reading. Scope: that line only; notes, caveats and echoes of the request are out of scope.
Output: 10:02
